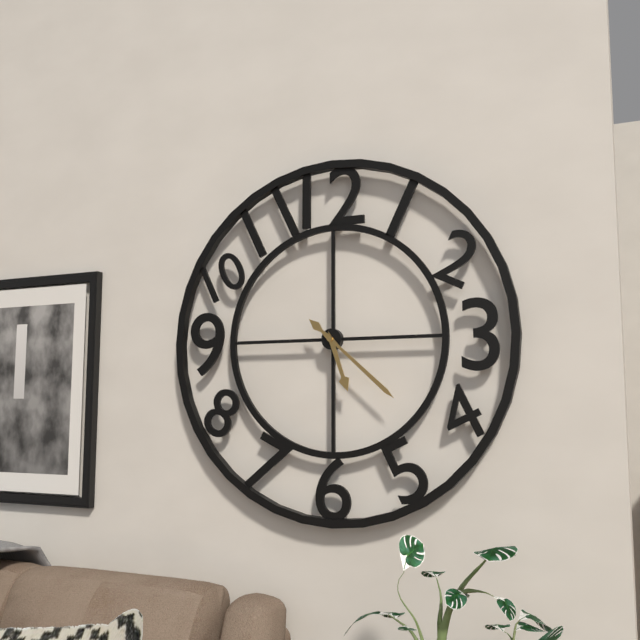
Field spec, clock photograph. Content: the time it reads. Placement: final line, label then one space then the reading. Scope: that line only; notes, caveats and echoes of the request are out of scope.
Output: 5:22
